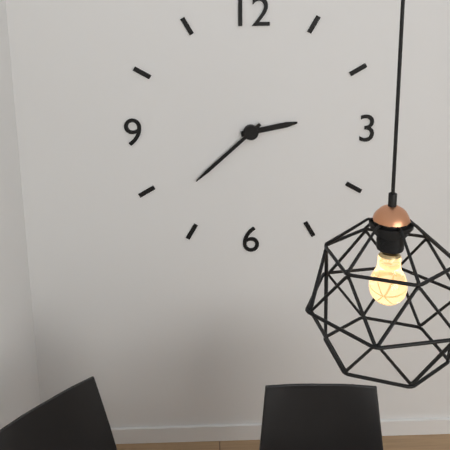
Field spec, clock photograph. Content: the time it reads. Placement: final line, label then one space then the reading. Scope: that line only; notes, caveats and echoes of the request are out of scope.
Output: 2:38
